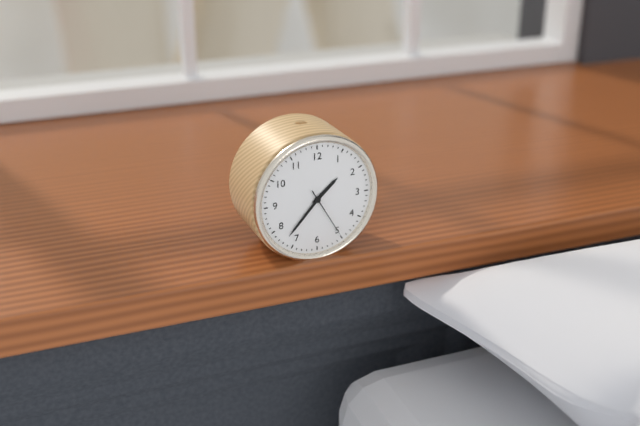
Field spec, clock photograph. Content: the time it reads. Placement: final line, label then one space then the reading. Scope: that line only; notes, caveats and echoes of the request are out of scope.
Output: 1:37:25
